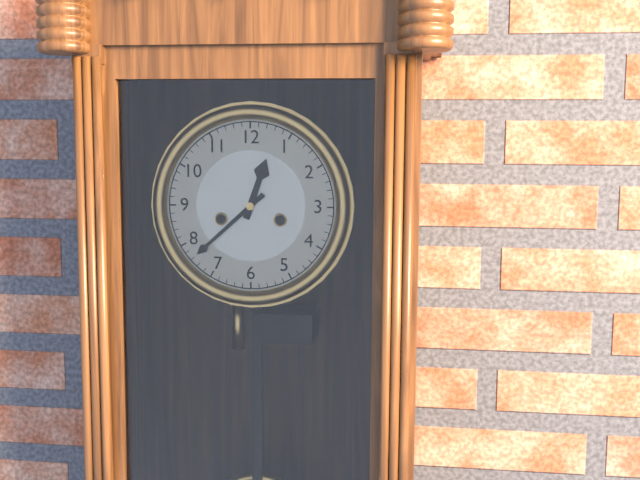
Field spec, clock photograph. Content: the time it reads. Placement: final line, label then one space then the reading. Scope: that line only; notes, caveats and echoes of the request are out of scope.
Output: 12:38
